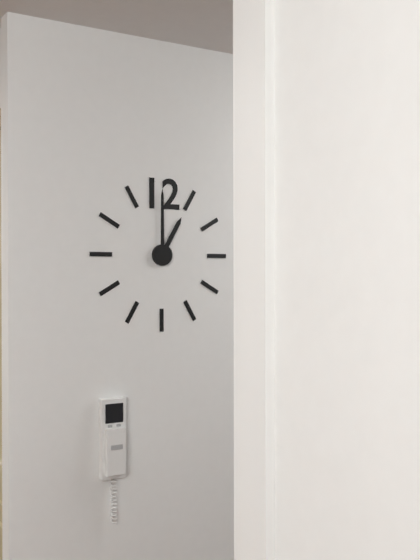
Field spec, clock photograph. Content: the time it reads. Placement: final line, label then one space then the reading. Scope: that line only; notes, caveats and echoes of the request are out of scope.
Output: 1:00
